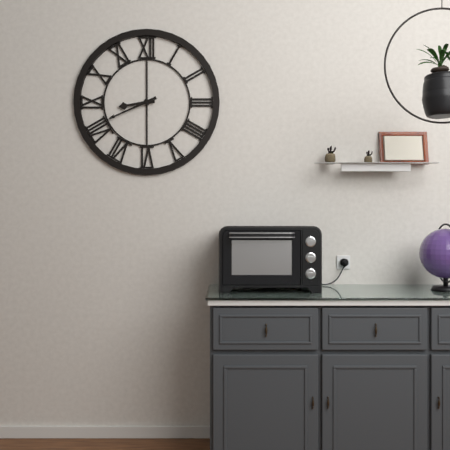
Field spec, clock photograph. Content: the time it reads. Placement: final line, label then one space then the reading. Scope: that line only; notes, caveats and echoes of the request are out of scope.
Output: 8:41
